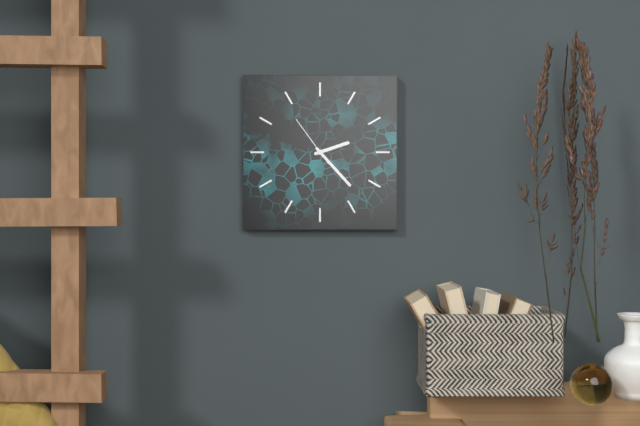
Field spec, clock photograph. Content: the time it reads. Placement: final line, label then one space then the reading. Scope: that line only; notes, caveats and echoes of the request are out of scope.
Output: 2:23:54
